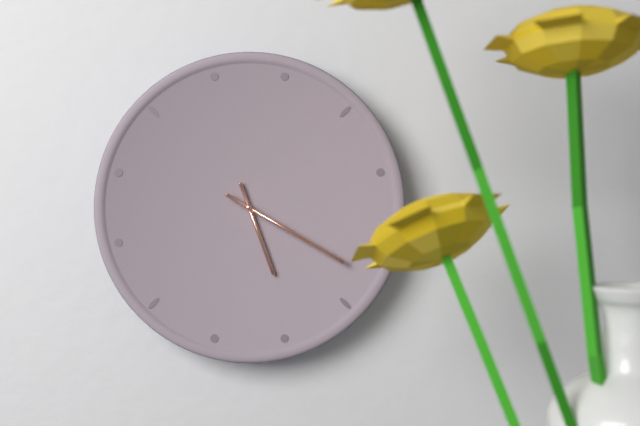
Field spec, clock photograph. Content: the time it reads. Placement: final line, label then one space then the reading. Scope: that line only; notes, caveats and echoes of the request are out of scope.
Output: 5:20
